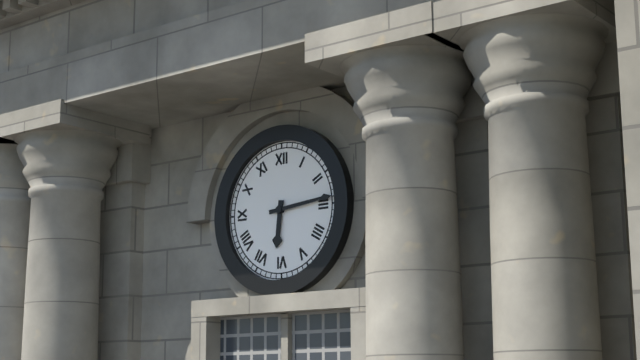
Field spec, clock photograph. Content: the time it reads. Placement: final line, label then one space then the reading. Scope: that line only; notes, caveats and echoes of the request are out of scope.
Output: 6:14
